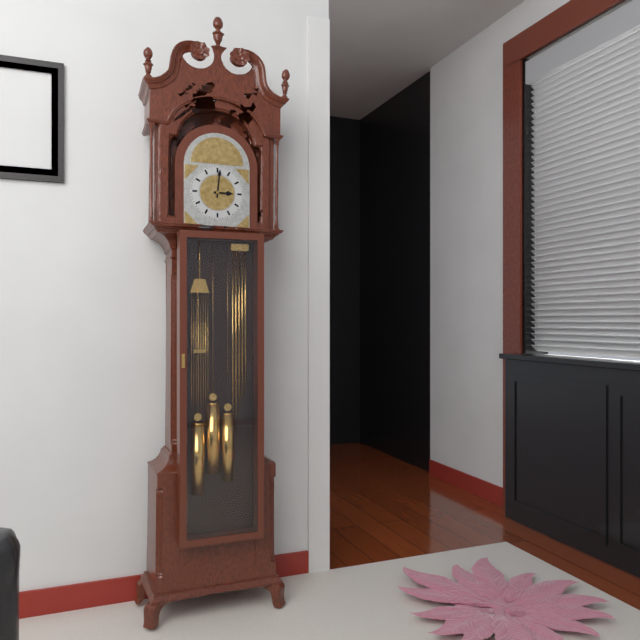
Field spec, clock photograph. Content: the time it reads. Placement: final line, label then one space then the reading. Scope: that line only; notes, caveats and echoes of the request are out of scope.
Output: 3:01
